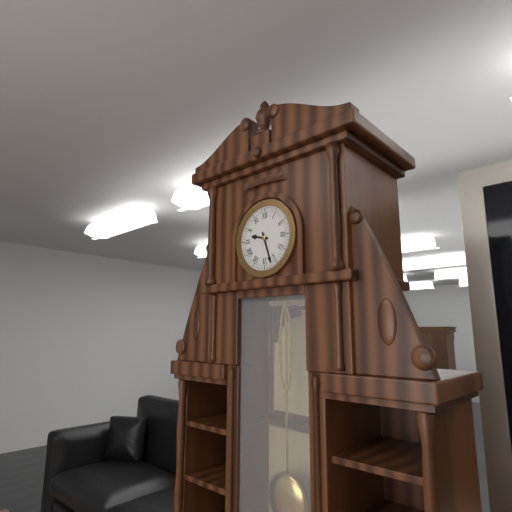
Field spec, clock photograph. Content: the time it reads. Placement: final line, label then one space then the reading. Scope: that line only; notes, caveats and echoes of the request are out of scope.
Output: 9:27
